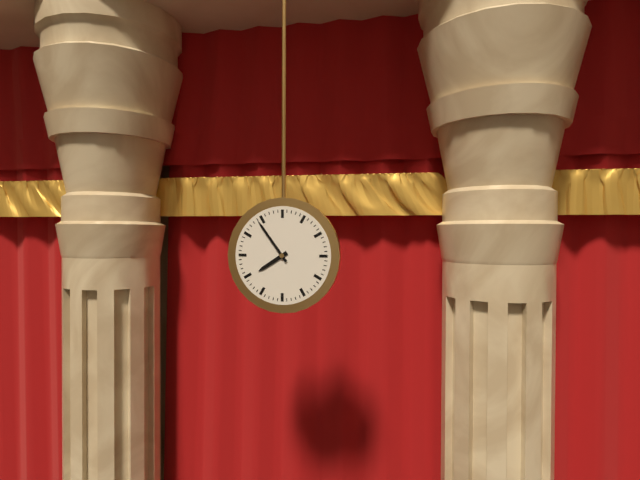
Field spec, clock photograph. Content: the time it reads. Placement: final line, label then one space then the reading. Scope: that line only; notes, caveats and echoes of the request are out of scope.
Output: 7:54
